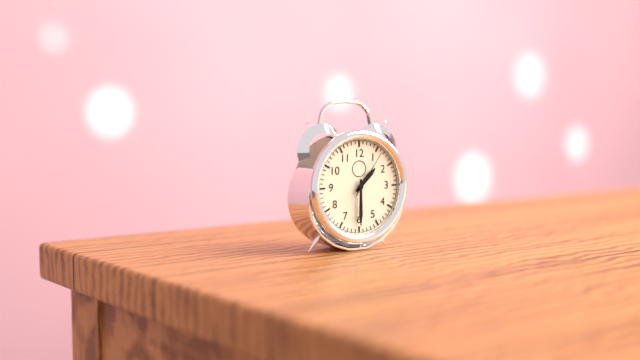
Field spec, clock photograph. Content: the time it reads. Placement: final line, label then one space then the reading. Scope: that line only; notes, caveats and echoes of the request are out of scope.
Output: 1:30:06
